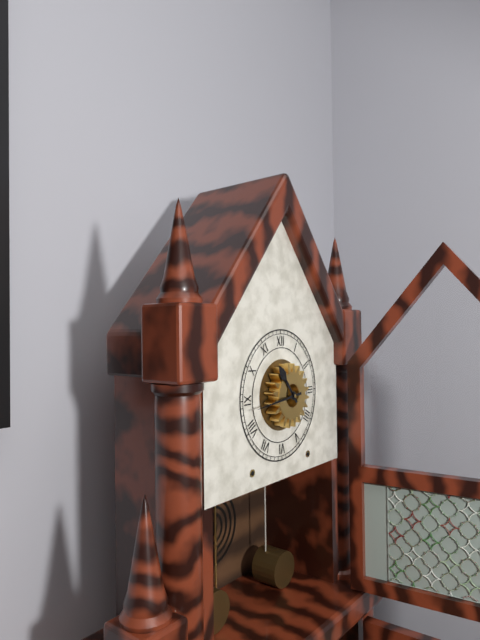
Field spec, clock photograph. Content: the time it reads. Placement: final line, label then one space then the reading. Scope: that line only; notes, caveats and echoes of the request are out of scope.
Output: 10:44
